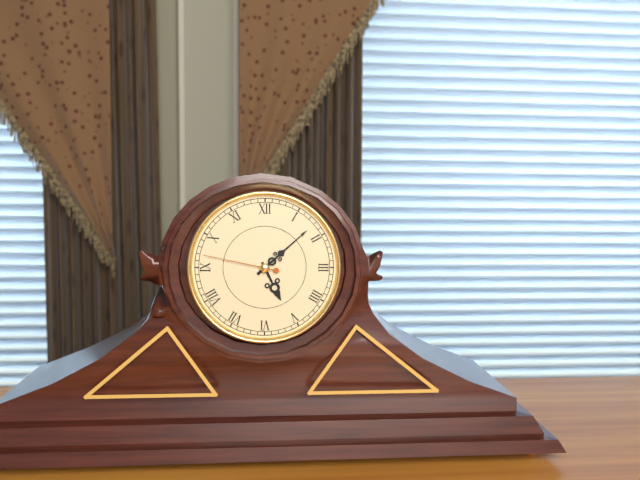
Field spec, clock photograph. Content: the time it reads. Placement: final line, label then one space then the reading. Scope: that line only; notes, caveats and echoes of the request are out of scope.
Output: 5:08:47
